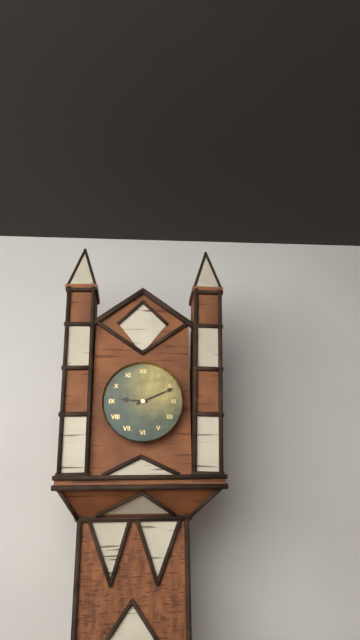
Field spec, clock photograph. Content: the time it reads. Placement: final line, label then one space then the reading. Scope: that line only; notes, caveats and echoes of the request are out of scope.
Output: 9:11
